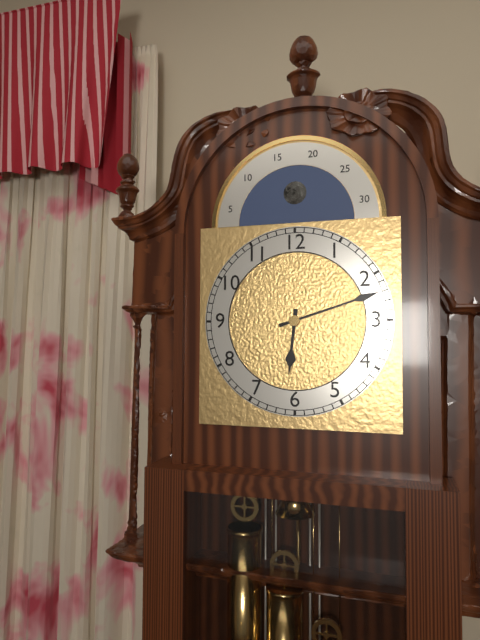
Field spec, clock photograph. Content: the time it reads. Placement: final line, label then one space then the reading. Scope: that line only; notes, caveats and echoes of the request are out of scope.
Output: 6:12
